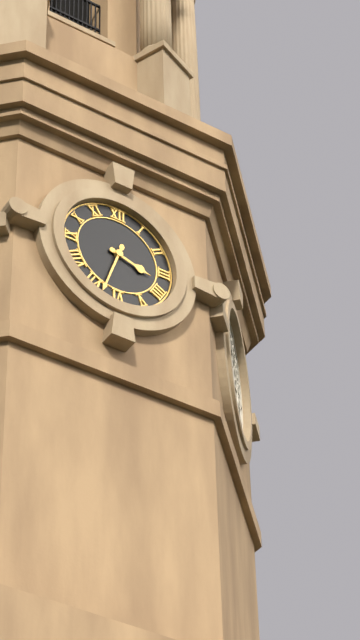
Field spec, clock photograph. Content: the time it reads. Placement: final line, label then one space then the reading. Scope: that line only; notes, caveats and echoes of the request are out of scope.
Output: 3:33
